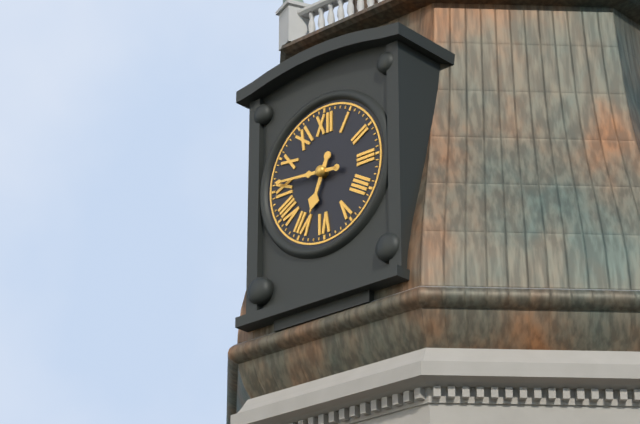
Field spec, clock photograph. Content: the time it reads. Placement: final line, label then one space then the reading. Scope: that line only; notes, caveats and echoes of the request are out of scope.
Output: 6:46
